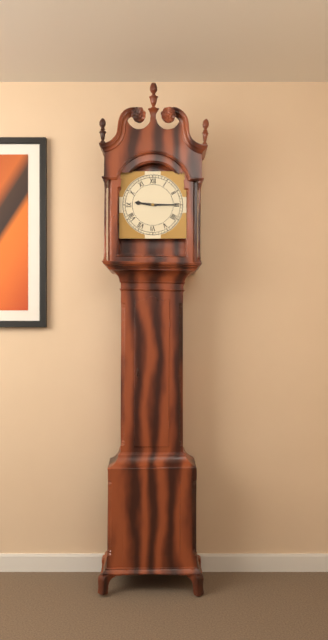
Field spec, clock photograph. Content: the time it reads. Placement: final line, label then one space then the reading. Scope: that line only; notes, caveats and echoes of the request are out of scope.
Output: 9:15
